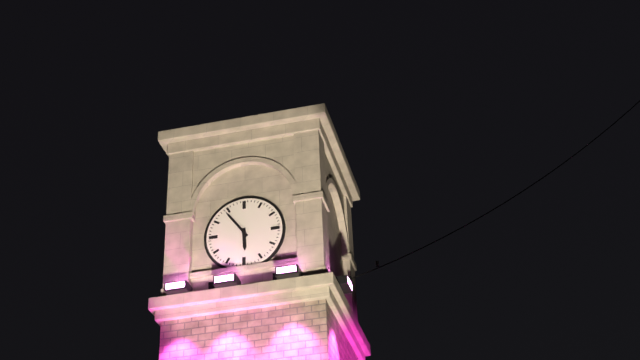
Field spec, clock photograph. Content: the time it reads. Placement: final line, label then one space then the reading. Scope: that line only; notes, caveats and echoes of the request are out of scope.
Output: 5:54
